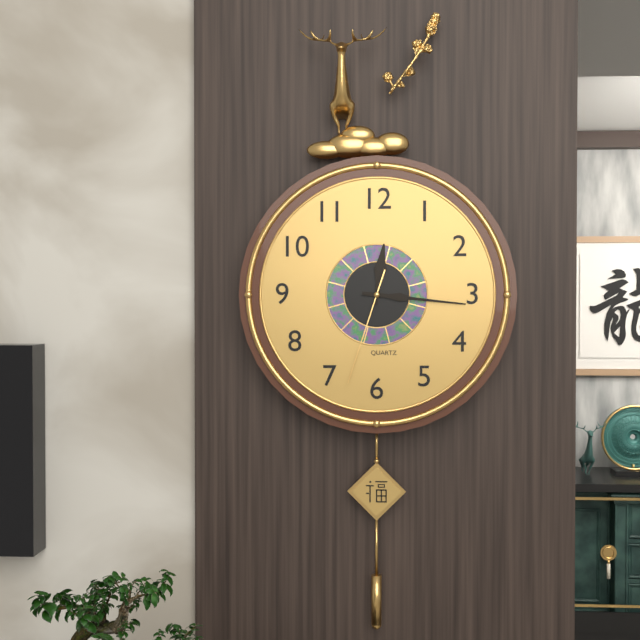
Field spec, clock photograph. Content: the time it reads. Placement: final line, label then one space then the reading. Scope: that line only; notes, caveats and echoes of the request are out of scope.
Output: 12:16:33
